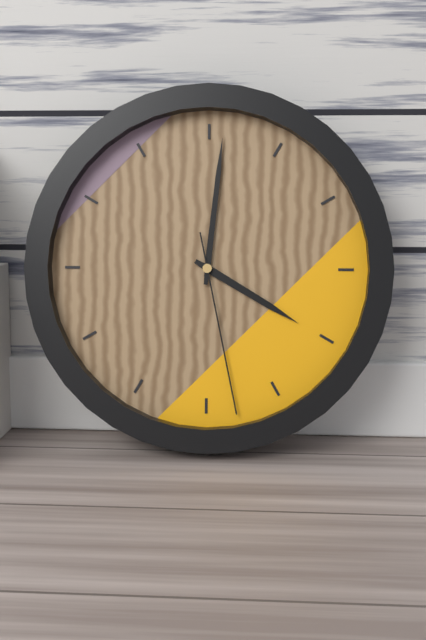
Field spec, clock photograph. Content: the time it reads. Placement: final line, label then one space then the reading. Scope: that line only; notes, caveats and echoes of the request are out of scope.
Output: 4:01:28
